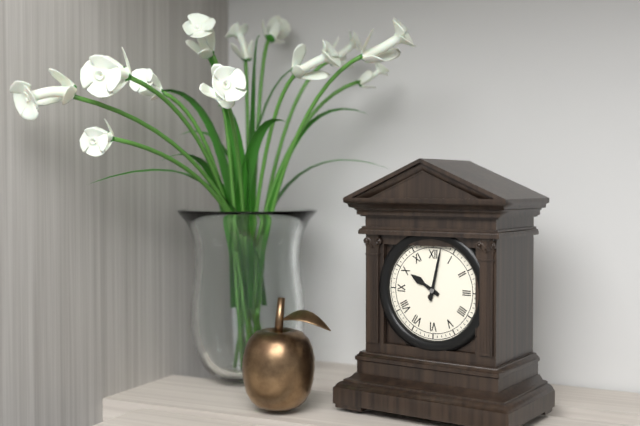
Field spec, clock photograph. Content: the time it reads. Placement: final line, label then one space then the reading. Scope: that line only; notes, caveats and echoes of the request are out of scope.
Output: 10:02
